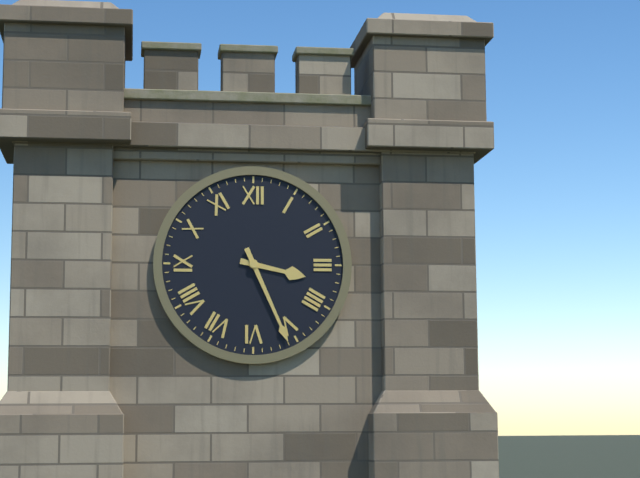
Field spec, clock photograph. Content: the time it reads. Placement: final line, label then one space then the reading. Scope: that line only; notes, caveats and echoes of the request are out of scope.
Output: 3:26
